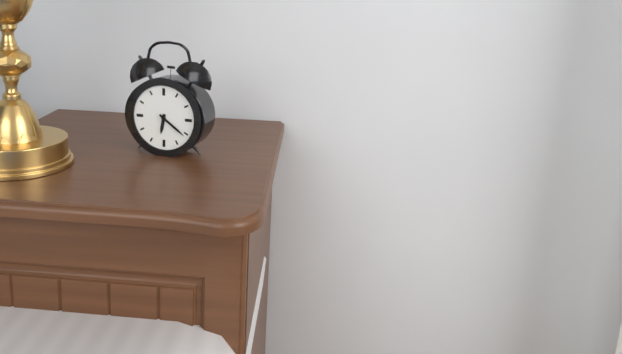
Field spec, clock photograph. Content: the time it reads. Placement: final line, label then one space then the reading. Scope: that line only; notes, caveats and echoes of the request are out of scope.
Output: 6:21
